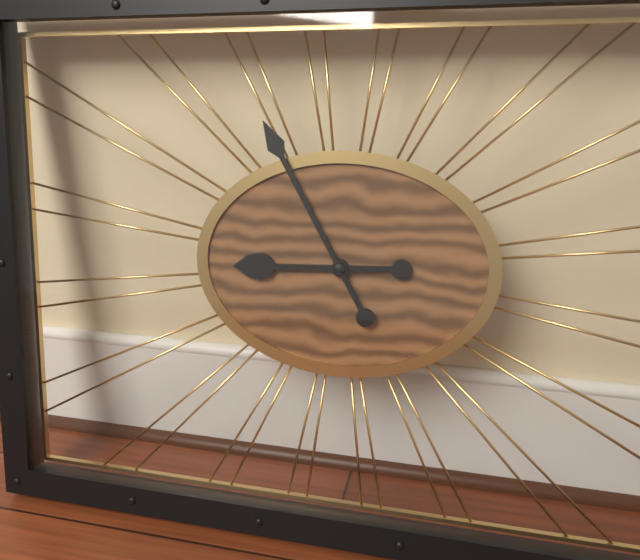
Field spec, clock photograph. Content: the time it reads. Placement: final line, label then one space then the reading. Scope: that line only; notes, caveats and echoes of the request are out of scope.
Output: 8:55
